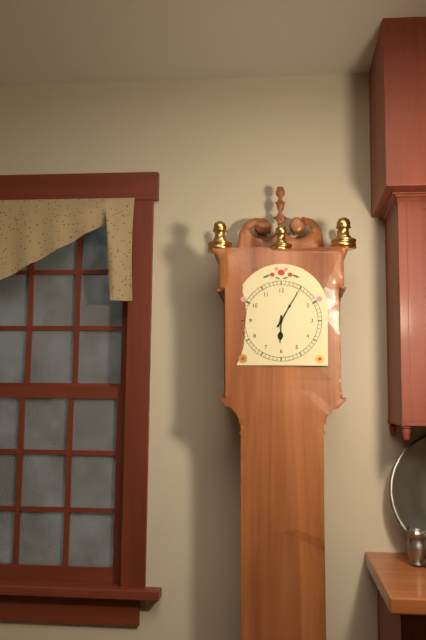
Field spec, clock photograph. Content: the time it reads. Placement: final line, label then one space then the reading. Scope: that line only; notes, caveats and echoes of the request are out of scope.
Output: 6:05
